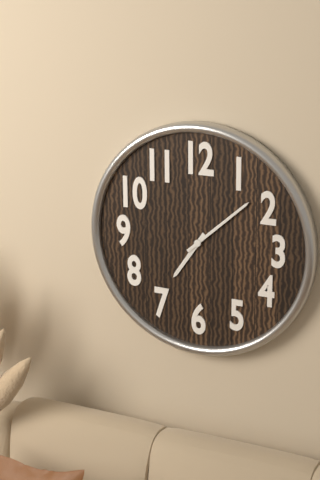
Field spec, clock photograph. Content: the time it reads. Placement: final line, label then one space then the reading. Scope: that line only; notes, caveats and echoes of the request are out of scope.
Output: 7:08
